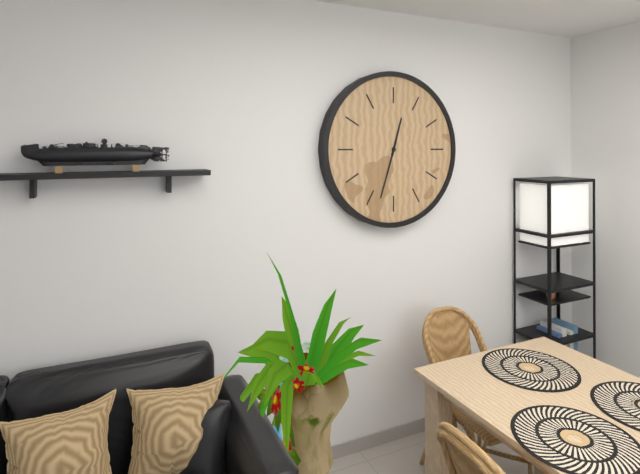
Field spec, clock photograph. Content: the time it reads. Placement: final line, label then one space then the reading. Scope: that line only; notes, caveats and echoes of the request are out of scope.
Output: 12:33
